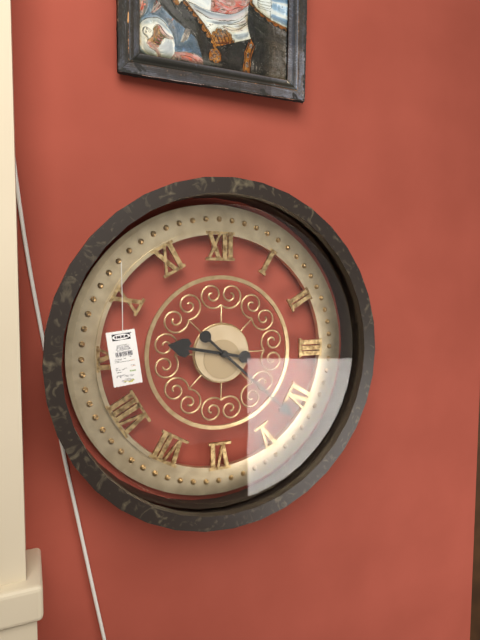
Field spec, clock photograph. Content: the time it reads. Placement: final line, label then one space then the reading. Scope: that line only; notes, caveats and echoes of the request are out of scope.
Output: 9:22
